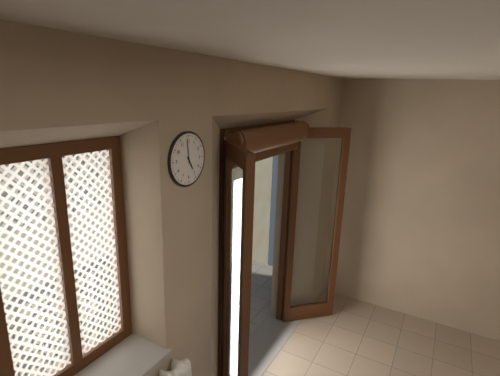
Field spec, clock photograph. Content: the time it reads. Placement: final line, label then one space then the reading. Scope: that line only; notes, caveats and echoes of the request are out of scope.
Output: 4:59
